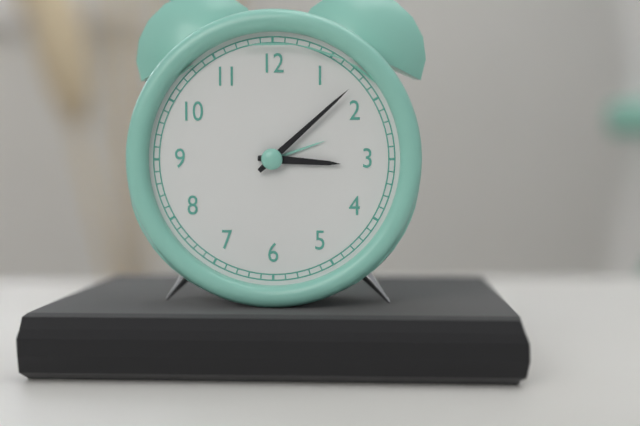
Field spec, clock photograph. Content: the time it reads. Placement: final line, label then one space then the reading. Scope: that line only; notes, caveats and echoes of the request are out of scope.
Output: 3:08
